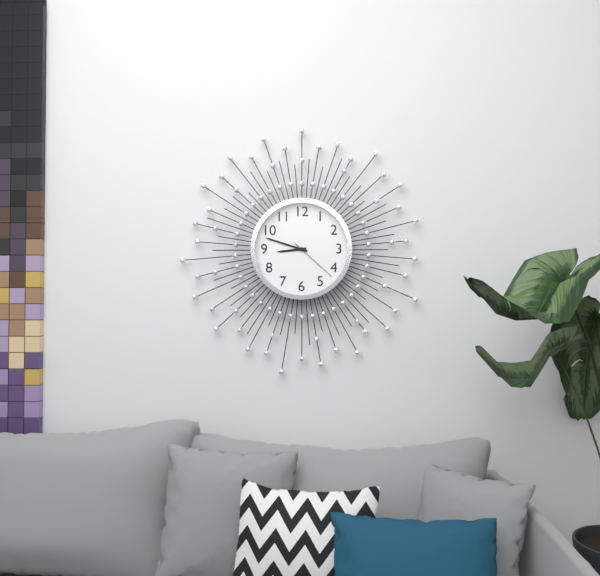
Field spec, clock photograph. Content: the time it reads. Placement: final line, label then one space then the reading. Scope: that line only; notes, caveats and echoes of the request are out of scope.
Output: 8:48:22
